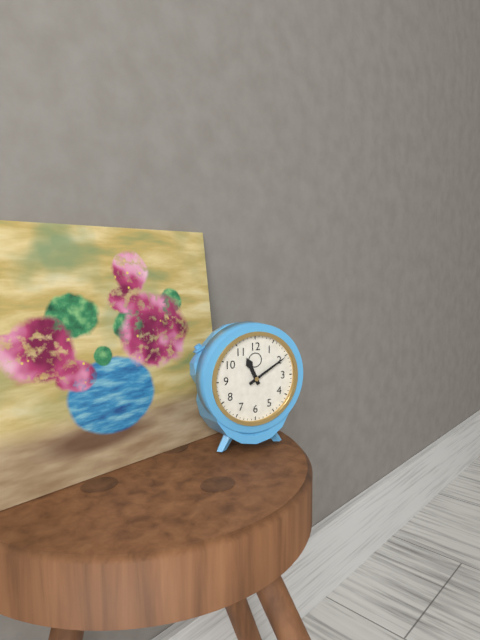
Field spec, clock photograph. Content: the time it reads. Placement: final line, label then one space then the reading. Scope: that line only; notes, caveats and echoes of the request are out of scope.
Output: 11:10
